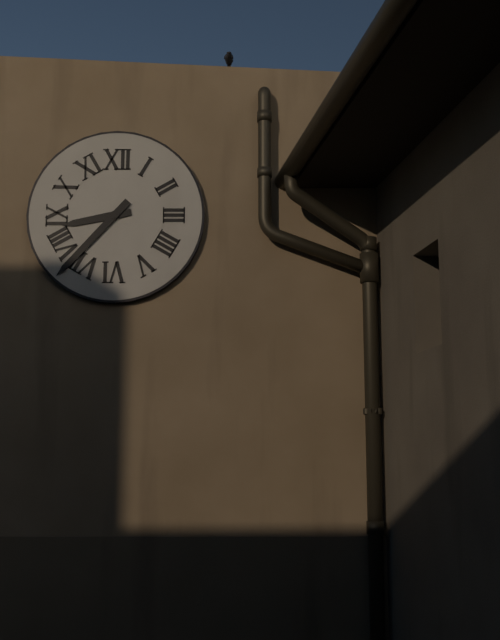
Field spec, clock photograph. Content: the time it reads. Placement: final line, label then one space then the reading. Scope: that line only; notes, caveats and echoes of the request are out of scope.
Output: 8:37
